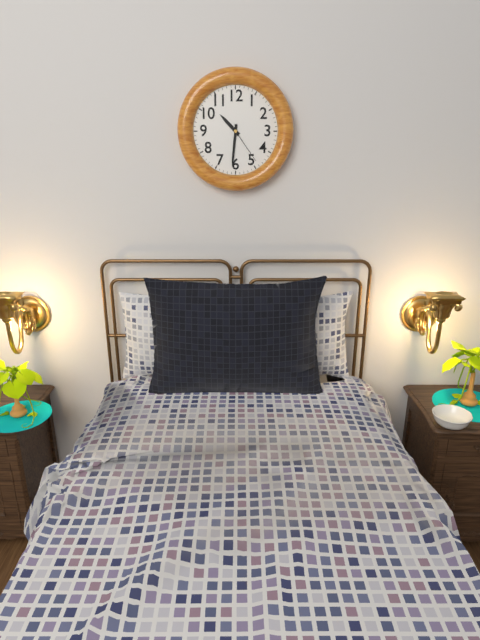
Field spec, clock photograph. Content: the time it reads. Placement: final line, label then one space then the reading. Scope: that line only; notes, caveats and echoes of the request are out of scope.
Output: 10:31
